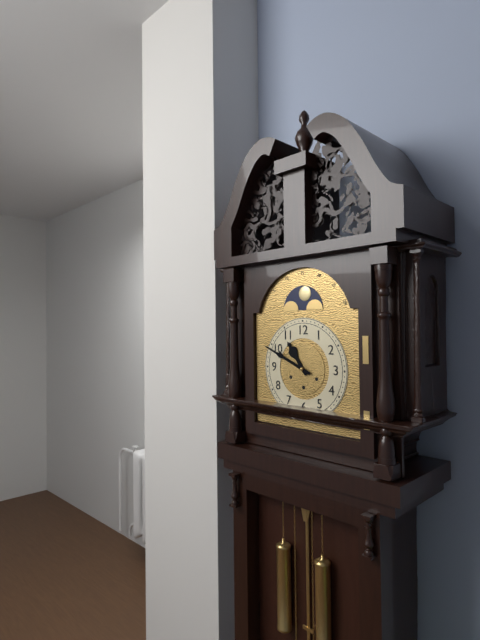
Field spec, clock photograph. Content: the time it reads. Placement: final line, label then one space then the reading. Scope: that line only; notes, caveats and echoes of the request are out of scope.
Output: 10:49
